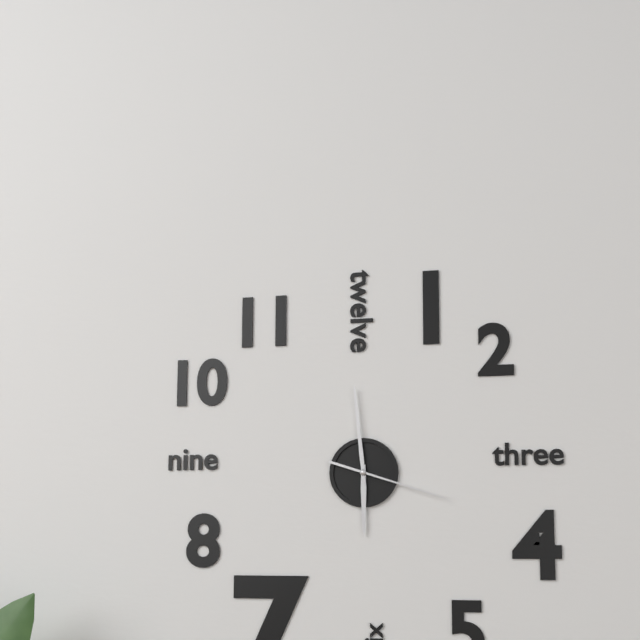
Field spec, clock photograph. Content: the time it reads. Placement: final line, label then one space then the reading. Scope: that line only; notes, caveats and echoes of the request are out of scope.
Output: 5:59:18
